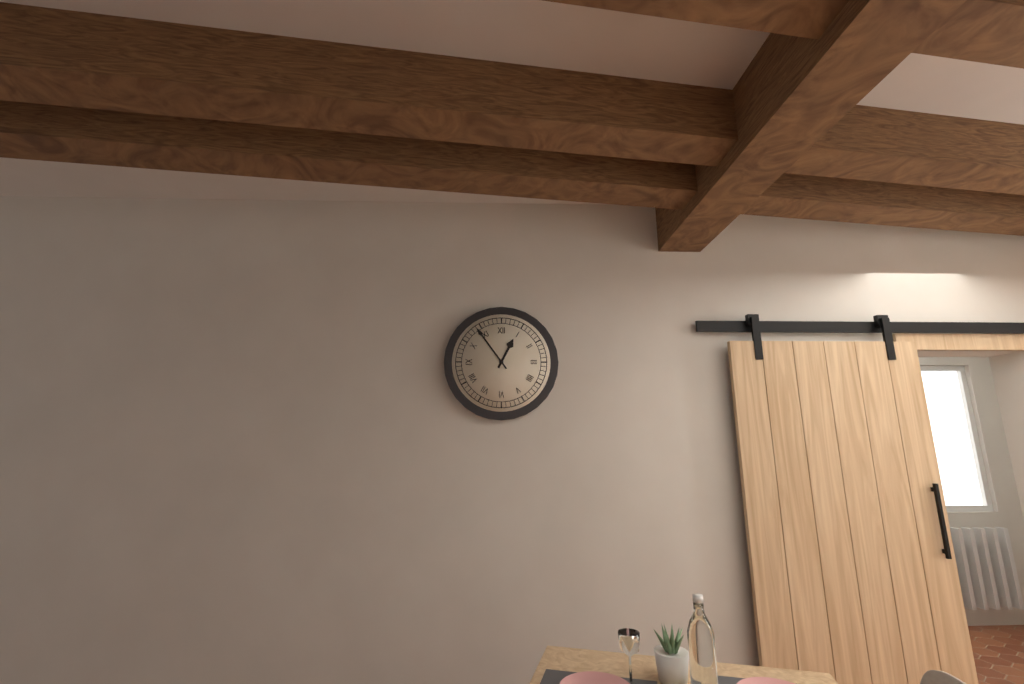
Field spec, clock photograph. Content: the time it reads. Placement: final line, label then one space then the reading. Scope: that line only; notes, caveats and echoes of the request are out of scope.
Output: 12:54
